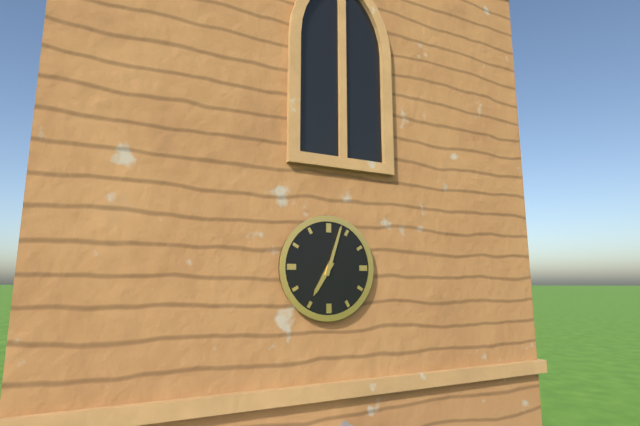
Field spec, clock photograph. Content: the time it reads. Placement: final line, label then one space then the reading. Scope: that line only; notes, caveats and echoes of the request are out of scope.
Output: 7:03
